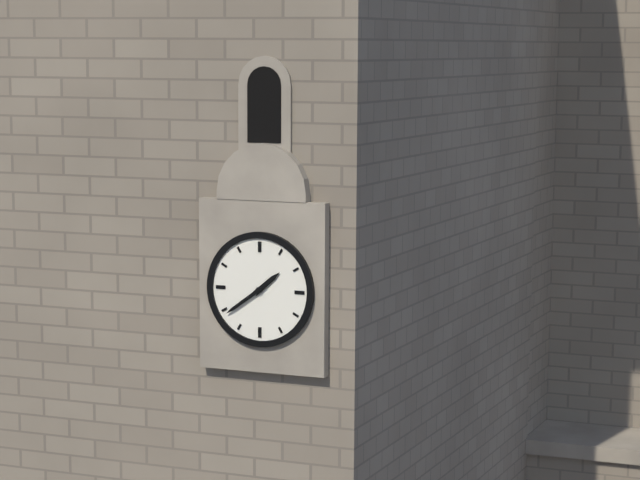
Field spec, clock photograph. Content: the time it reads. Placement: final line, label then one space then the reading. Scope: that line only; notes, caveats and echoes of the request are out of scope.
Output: 1:39
